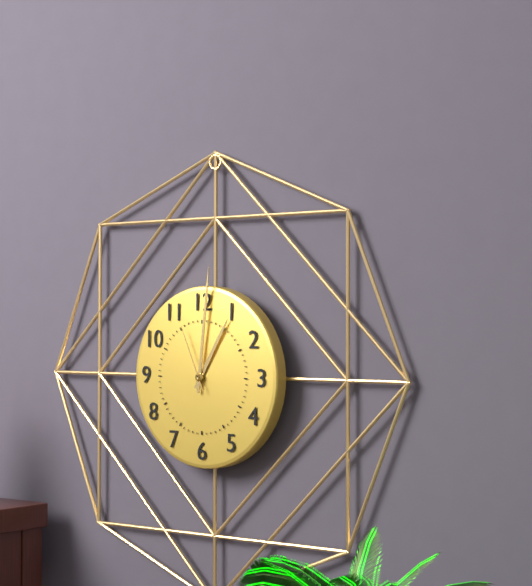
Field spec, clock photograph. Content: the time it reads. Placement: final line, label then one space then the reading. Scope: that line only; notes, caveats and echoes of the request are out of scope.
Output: 1:01:56
